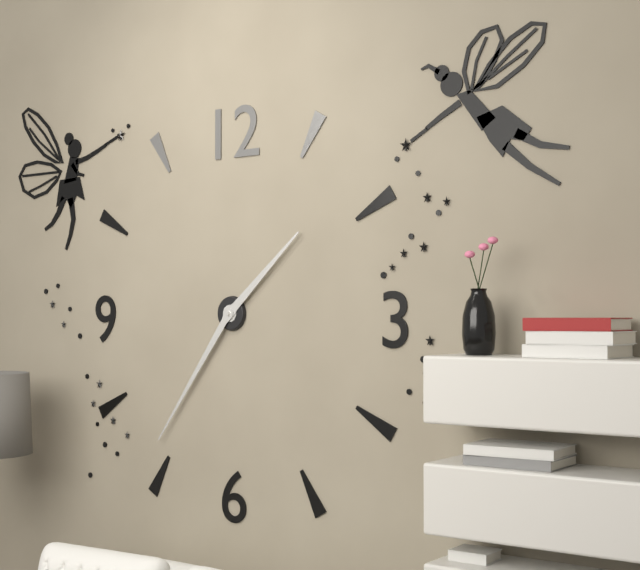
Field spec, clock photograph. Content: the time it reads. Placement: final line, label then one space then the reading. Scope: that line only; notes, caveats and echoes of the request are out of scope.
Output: 1:36
